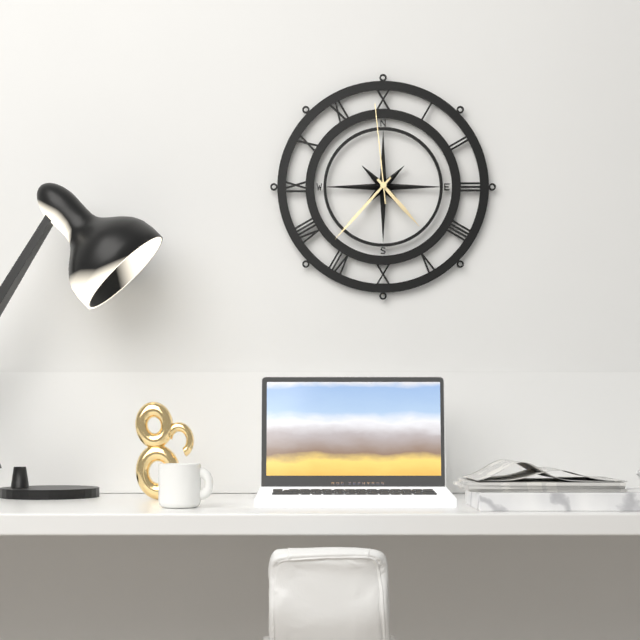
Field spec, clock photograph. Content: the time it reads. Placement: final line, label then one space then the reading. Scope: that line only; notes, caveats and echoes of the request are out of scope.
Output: 4:37:59
